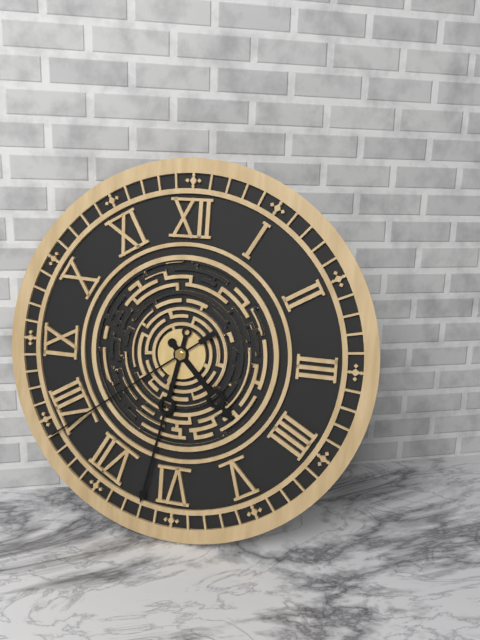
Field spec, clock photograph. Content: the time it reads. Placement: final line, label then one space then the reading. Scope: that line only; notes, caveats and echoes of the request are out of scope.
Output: 4:32:39
